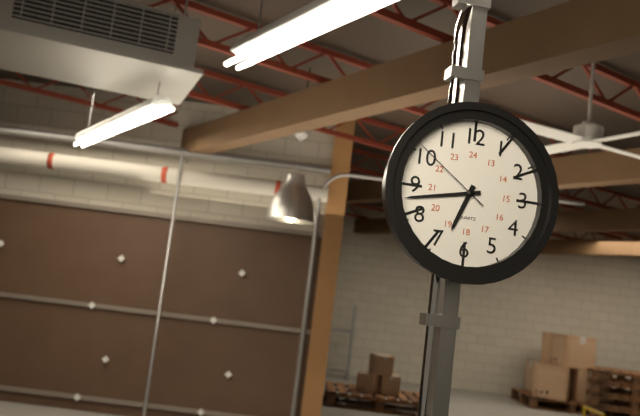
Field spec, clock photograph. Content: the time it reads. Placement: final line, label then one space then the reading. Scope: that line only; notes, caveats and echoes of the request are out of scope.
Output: 6:43:51
